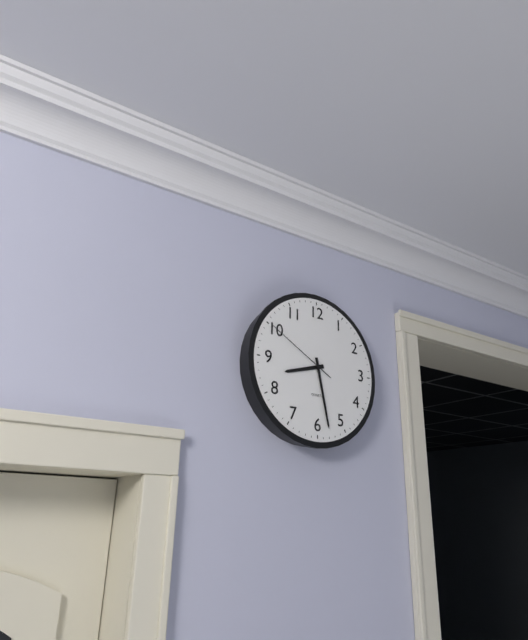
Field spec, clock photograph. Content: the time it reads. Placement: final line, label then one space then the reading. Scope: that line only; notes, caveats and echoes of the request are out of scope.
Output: 8:28:50
